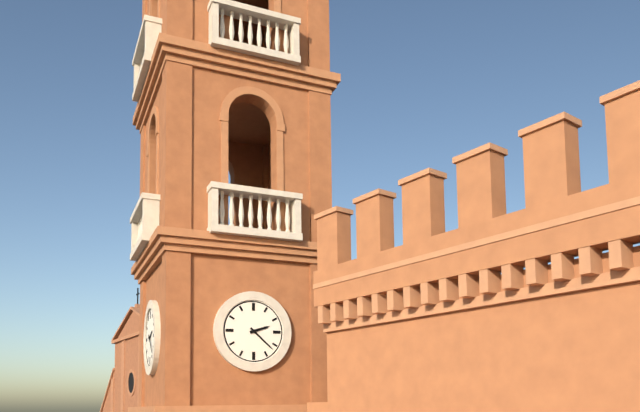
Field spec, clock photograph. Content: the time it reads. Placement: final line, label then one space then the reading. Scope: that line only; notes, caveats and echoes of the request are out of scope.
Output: 2:22
